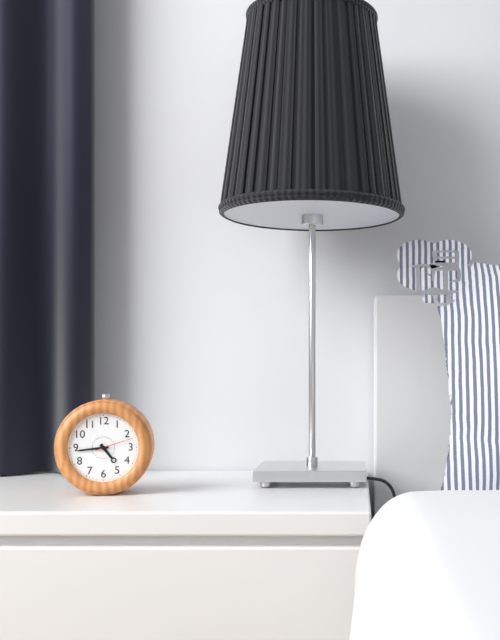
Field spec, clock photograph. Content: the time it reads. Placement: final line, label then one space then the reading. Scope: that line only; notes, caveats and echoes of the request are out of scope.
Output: 4:44
